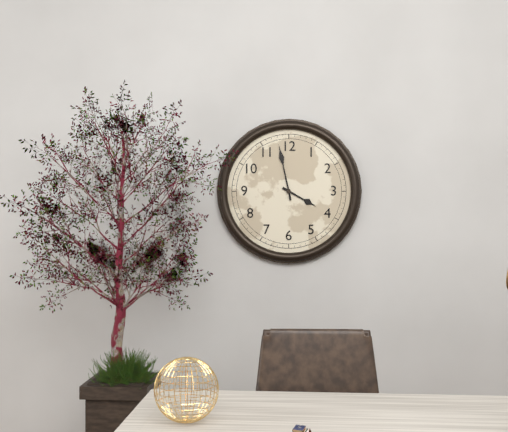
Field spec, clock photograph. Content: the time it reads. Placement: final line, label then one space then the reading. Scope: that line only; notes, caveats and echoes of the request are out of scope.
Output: 3:58
